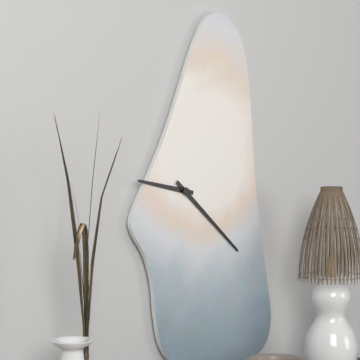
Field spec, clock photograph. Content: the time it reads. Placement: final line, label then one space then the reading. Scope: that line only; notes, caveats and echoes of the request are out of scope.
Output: 9:22
